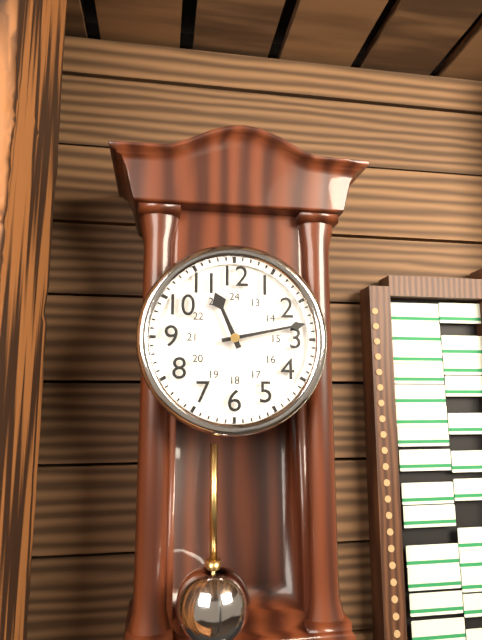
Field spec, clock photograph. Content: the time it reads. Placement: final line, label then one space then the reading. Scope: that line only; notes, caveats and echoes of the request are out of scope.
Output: 11:13
